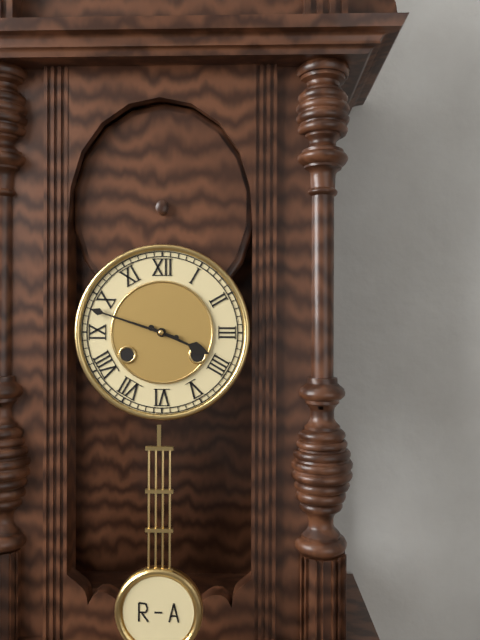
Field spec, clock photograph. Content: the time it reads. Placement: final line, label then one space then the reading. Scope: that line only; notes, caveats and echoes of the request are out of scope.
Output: 3:48
